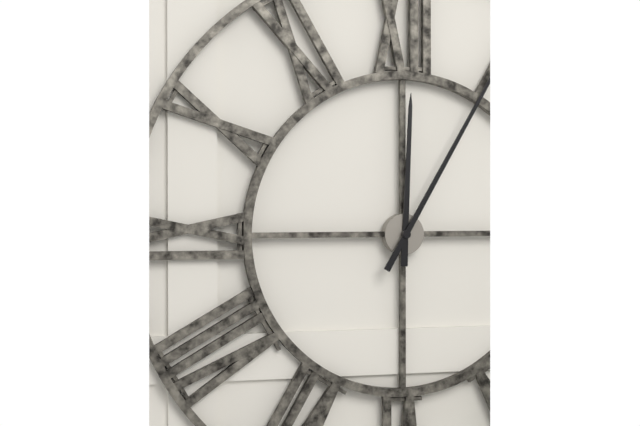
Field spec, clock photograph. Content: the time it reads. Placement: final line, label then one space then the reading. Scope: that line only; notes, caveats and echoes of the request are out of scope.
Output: 12:05
